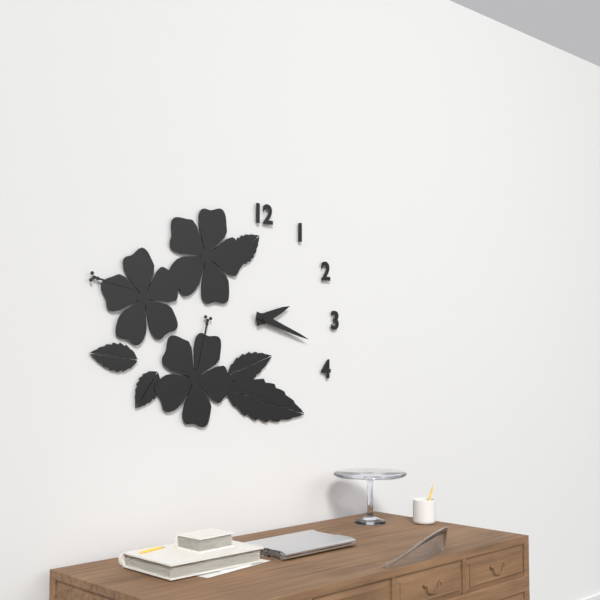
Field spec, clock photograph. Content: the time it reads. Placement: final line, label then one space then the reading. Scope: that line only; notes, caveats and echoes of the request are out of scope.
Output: 2:18
